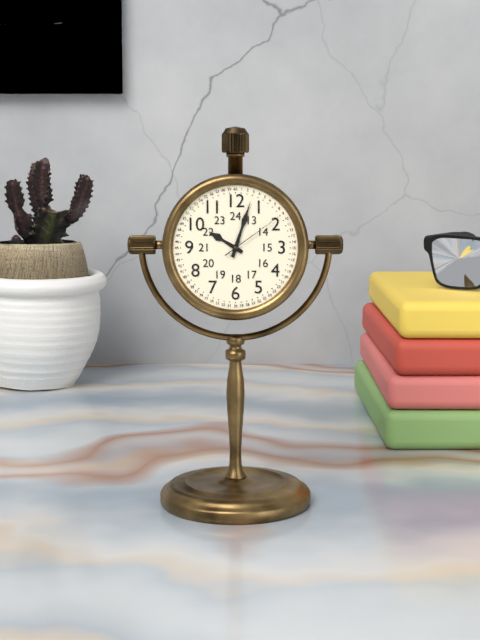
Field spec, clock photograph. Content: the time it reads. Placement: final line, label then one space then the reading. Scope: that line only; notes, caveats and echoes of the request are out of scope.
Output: 10:03:09
